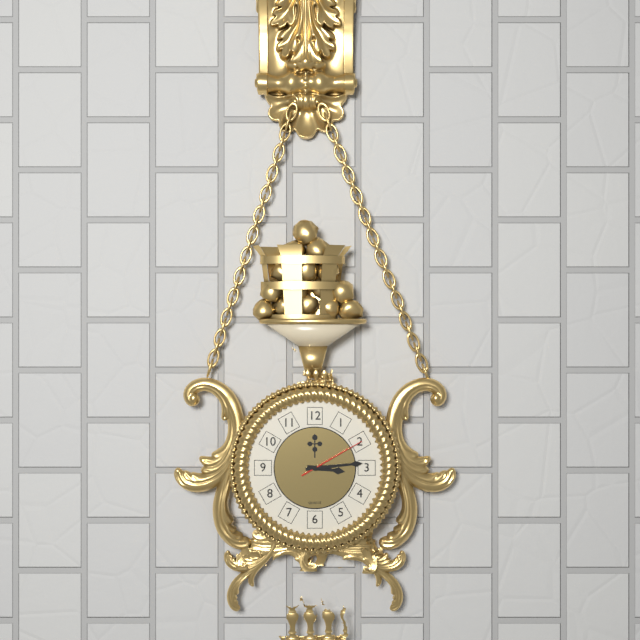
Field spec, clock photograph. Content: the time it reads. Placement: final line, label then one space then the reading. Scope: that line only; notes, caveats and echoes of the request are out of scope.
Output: 3:14:10
